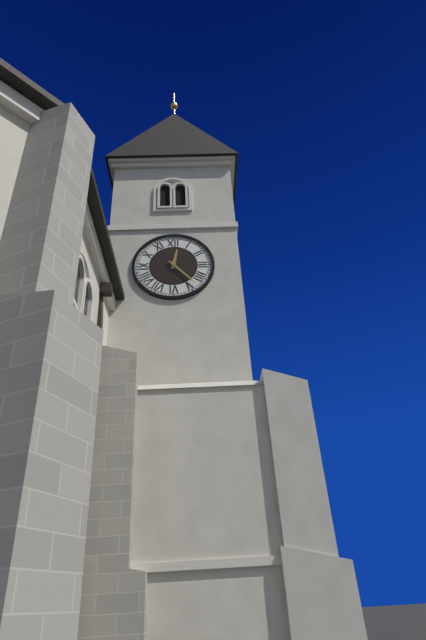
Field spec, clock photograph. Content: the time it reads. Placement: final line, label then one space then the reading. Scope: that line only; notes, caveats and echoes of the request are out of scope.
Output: 12:23
